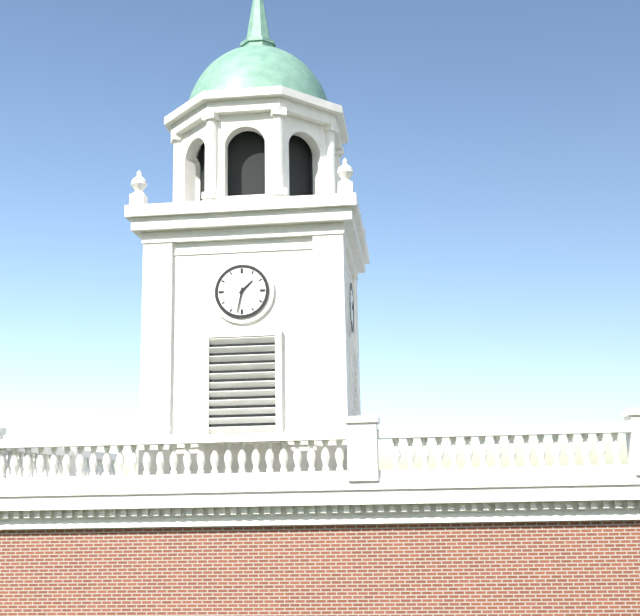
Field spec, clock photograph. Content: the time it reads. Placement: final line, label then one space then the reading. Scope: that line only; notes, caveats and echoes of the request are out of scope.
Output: 1:32
